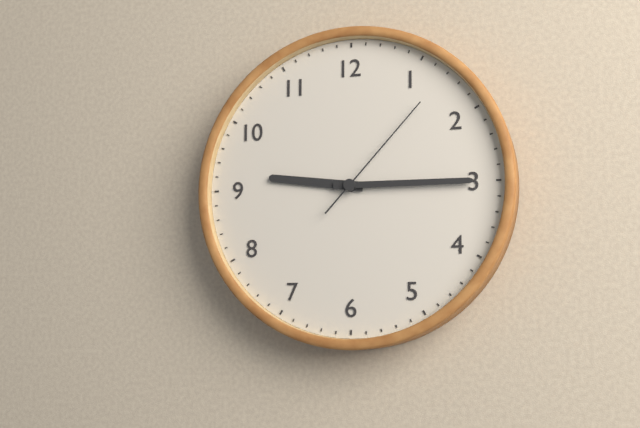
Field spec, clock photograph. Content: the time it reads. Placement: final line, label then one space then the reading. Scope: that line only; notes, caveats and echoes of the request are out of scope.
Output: 9:15:07
